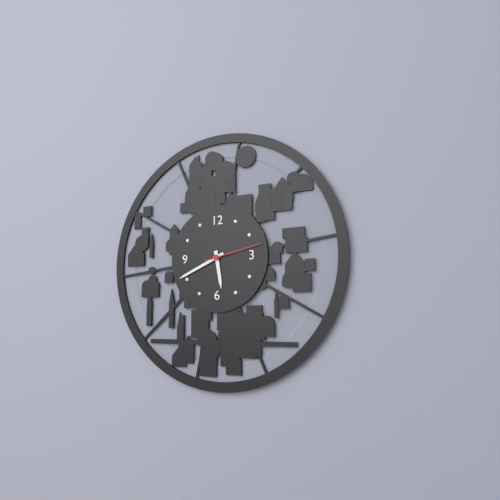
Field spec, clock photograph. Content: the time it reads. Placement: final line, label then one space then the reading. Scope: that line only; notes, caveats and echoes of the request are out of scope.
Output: 5:41:13
